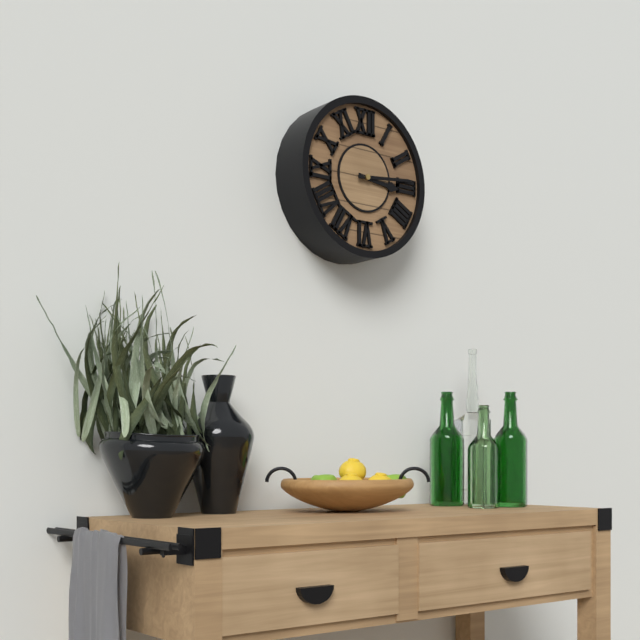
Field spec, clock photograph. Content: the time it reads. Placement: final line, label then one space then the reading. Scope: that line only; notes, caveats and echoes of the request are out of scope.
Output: 3:14
